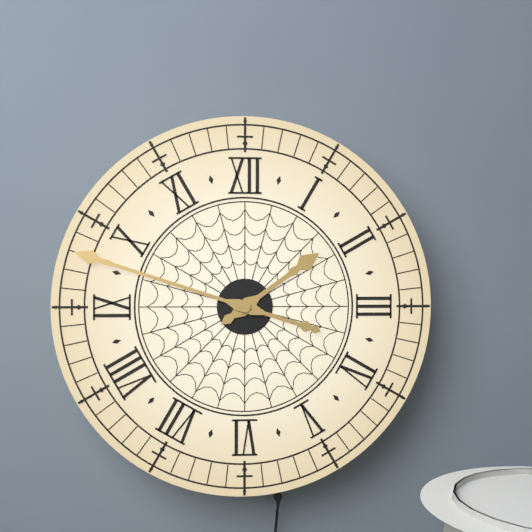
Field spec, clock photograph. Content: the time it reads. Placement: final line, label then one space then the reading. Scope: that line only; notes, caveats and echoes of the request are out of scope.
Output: 1:48
